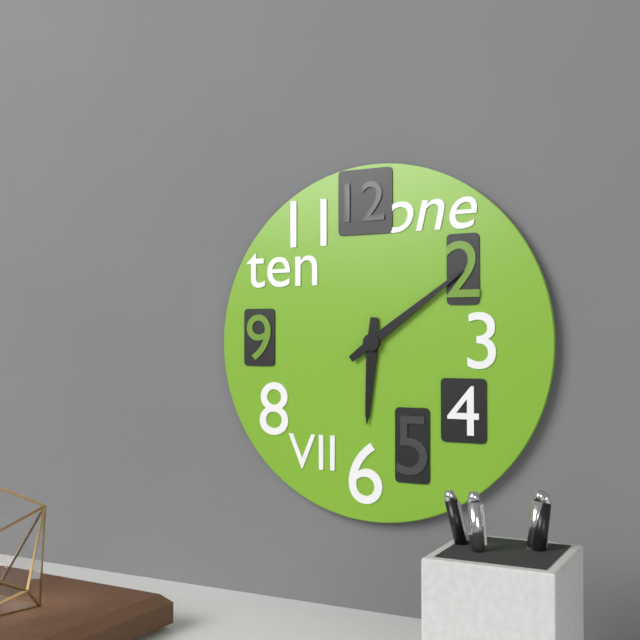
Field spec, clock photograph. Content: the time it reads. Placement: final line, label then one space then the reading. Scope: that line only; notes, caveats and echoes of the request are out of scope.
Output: 6:09
